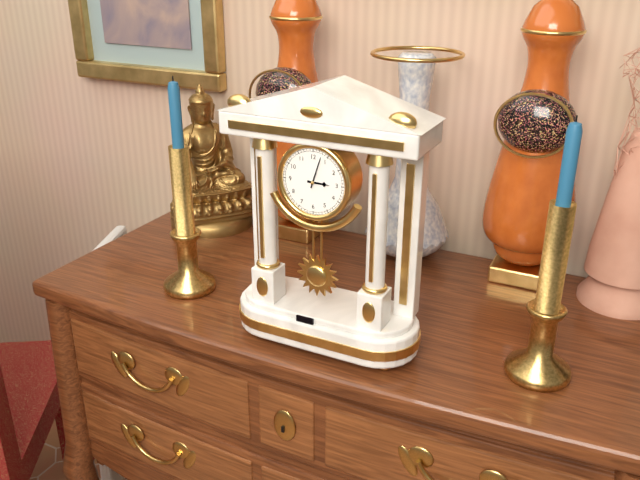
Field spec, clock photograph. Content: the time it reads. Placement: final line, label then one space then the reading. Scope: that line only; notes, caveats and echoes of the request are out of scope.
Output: 3:03
